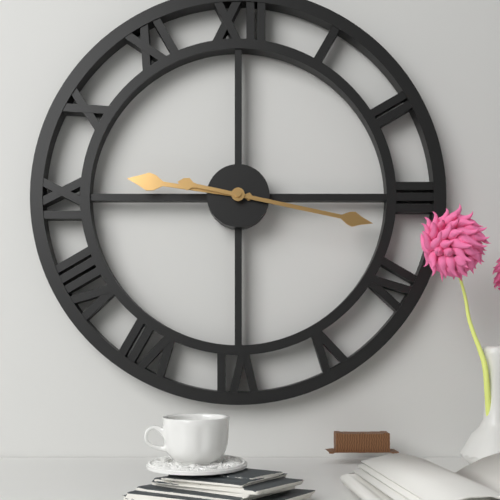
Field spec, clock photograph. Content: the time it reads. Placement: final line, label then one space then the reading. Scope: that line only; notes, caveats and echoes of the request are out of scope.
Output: 9:17
